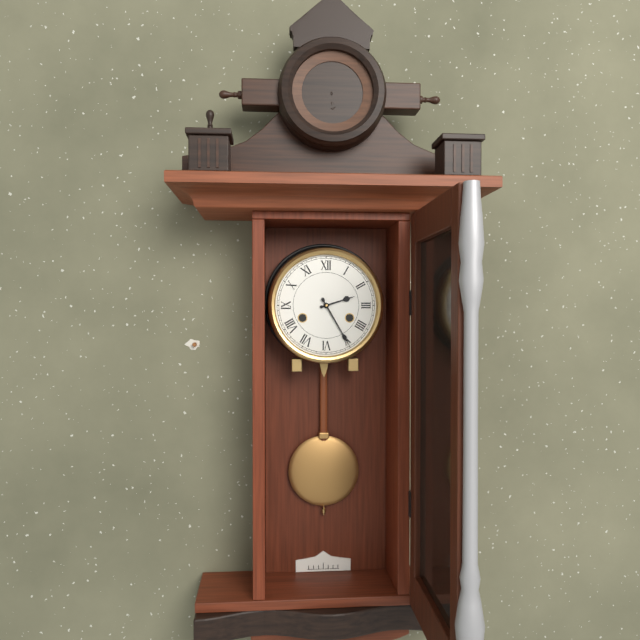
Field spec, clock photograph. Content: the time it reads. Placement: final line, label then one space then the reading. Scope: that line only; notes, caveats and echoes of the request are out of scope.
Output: 2:25
